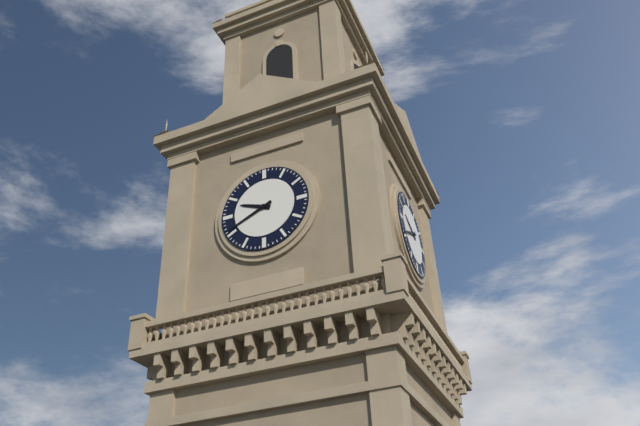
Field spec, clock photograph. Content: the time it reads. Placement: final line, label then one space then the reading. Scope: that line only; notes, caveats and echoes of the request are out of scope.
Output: 9:41
